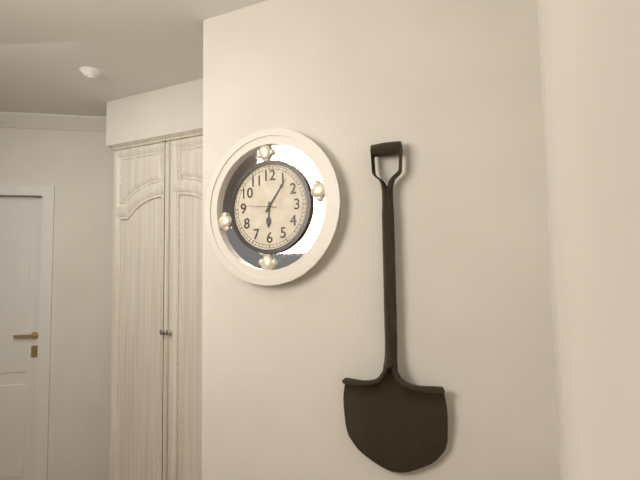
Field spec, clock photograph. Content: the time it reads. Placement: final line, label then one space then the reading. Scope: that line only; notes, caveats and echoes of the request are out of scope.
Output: 6:06
